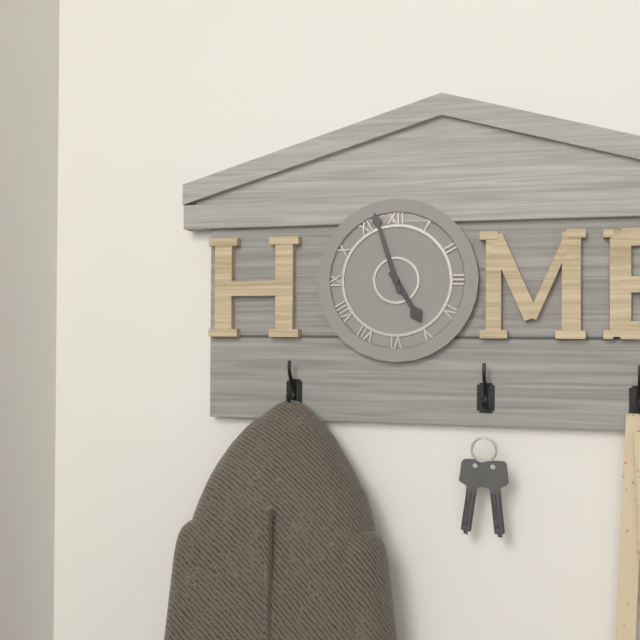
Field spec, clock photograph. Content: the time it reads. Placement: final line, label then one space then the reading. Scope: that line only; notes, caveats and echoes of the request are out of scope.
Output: 4:57
